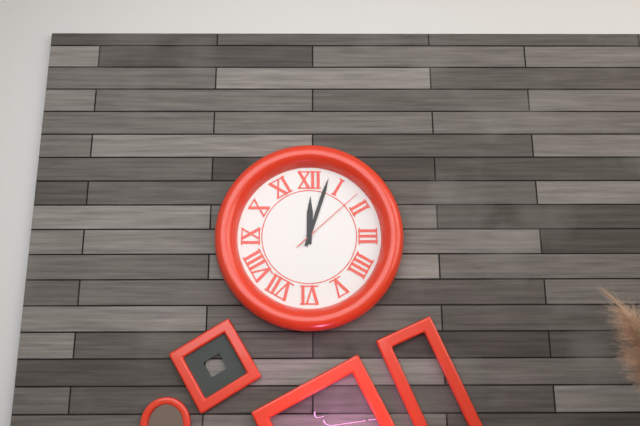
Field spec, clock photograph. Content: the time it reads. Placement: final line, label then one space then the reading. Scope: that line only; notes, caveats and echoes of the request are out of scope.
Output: 12:03:08
